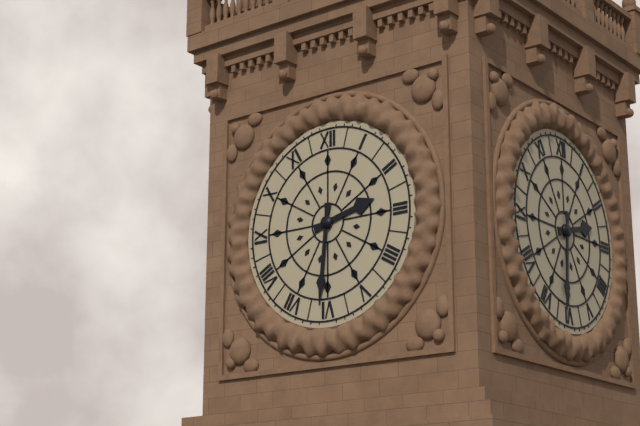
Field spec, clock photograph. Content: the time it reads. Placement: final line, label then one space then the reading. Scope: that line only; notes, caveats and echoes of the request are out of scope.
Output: 2:31
